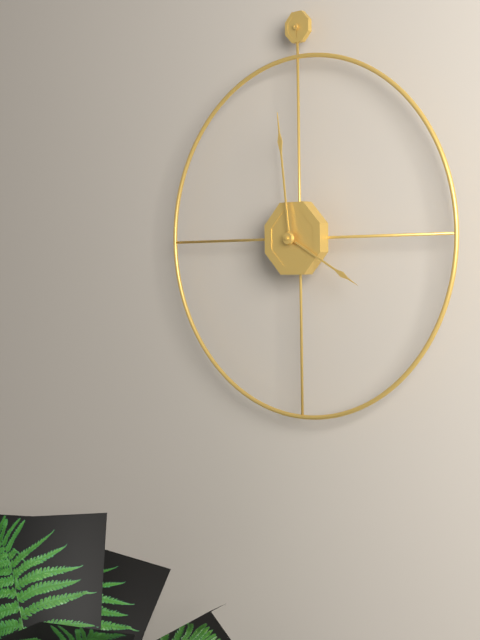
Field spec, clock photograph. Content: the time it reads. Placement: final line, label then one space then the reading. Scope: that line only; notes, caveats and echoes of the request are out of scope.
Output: 3:59
